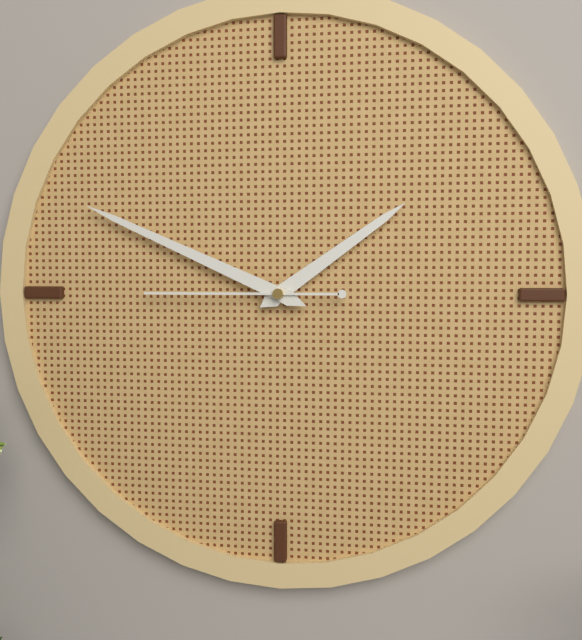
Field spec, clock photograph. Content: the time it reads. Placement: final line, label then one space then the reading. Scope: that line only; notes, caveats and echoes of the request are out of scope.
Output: 1:49:45
